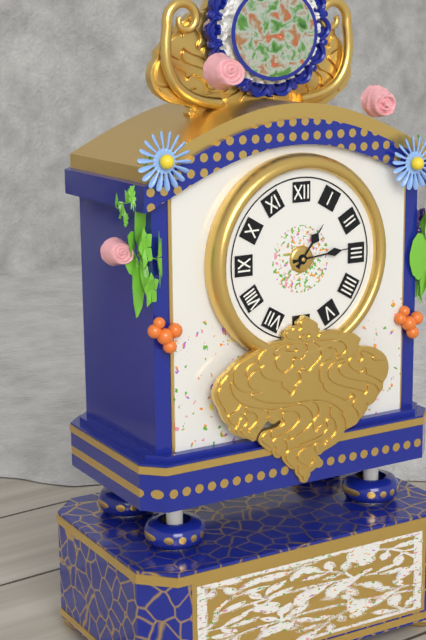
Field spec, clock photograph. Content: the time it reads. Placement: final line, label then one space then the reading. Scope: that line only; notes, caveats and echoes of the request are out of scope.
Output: 1:14
